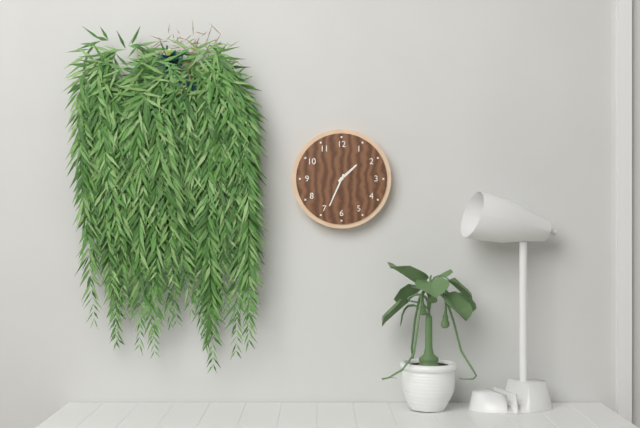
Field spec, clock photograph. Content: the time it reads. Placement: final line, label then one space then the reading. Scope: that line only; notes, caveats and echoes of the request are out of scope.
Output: 1:34
